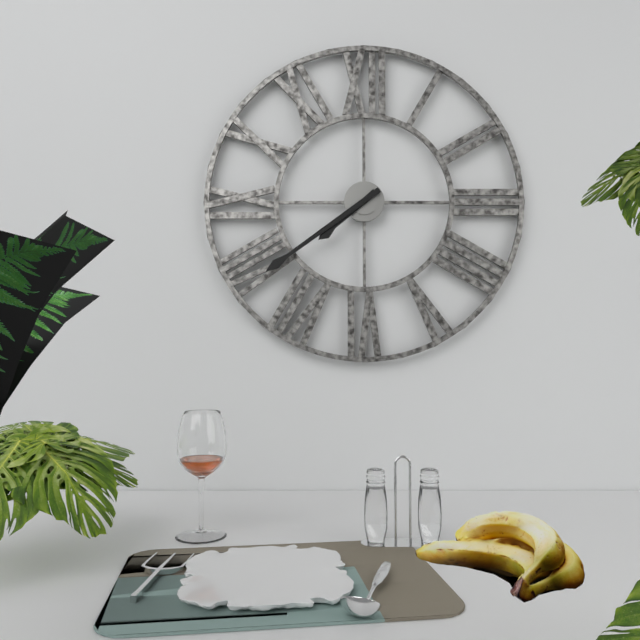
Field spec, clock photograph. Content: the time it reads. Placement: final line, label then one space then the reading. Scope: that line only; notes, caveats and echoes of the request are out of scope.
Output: 7:39
